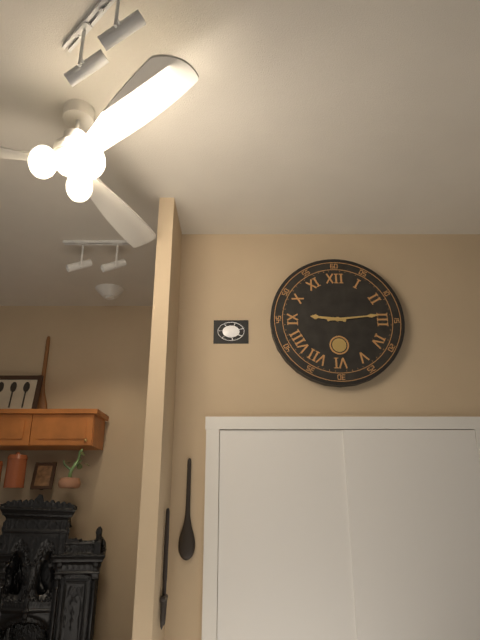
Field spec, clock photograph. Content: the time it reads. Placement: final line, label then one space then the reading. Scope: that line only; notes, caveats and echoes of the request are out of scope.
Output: 9:14
